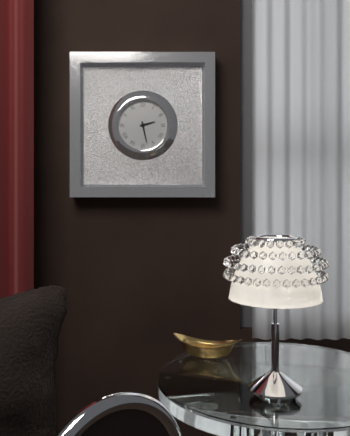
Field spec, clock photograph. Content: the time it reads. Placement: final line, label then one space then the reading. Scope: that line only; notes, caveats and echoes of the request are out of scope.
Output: 2:28
